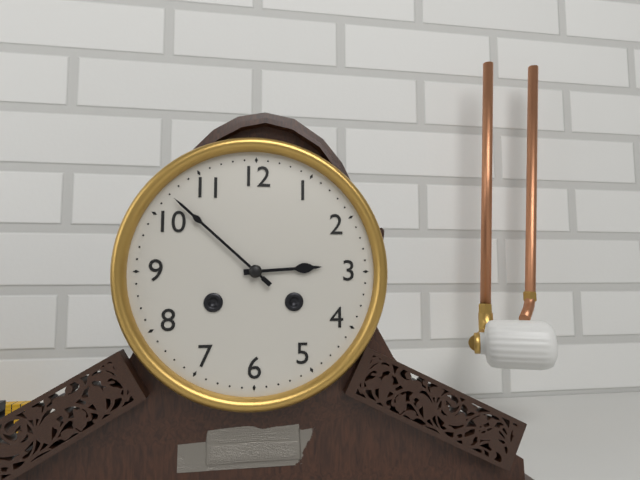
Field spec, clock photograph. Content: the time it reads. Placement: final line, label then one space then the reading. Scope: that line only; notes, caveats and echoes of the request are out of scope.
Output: 2:52
